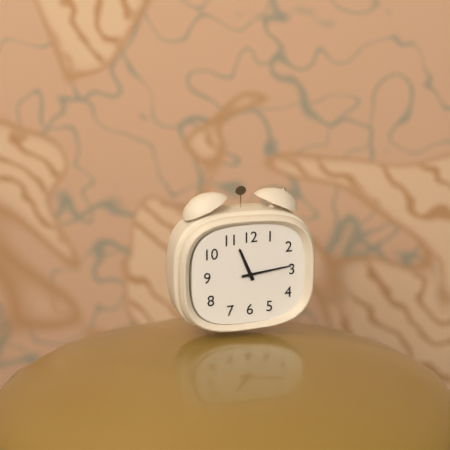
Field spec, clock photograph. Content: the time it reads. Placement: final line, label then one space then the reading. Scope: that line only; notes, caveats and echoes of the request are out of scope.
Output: 11:14
